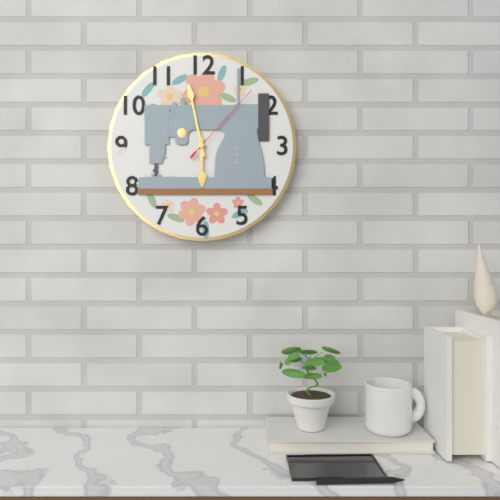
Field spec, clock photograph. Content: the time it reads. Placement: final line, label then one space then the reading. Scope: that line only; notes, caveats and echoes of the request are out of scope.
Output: 5:58:07
